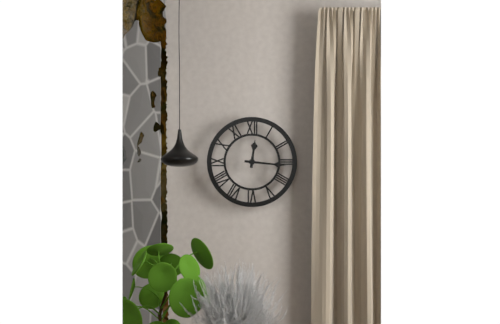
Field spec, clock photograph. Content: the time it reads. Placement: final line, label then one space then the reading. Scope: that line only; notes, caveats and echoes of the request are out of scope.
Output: 12:16
